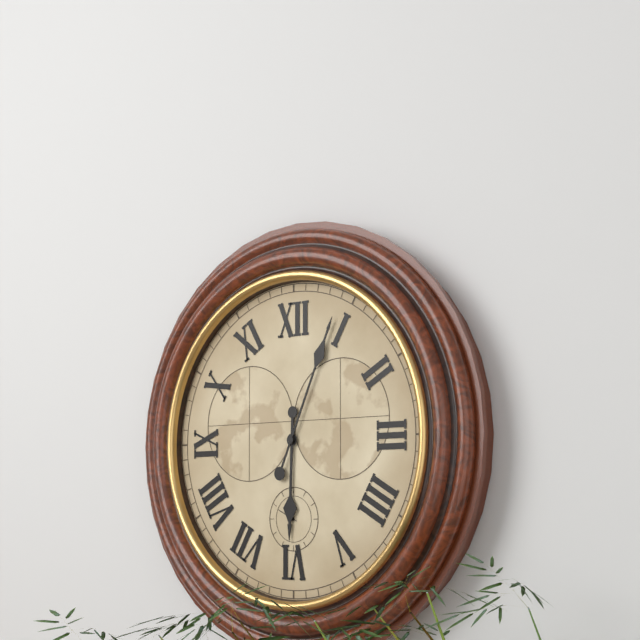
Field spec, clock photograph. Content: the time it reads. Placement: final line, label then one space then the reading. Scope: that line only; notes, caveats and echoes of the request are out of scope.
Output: 6:04
